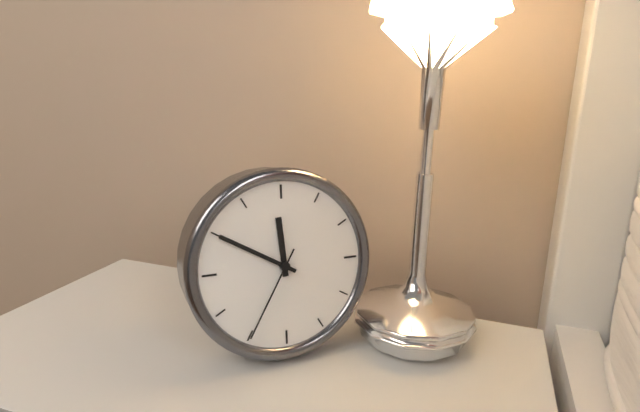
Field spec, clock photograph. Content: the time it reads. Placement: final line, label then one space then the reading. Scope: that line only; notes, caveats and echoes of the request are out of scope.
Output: 11:50:35
